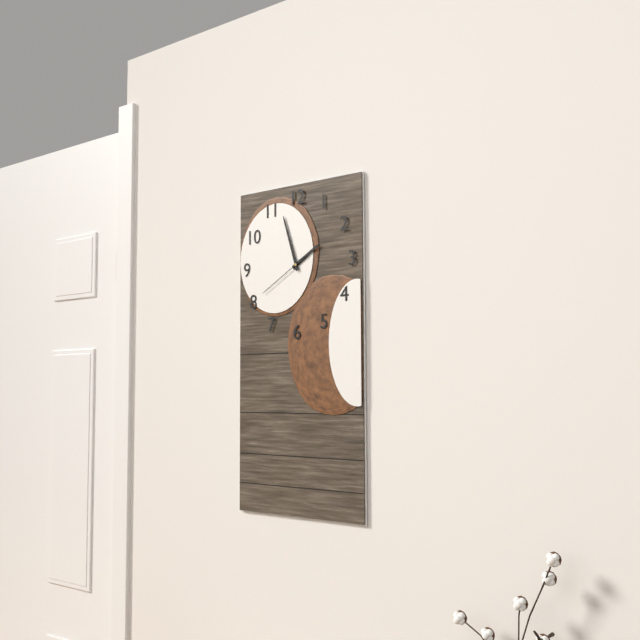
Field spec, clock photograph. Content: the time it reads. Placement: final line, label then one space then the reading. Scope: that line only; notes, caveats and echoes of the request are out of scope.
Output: 1:57:40
